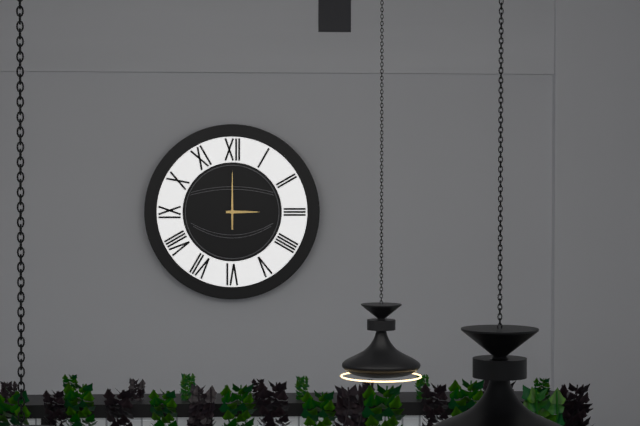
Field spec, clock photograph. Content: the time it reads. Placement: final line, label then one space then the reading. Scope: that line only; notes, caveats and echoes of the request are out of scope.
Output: 3:00
